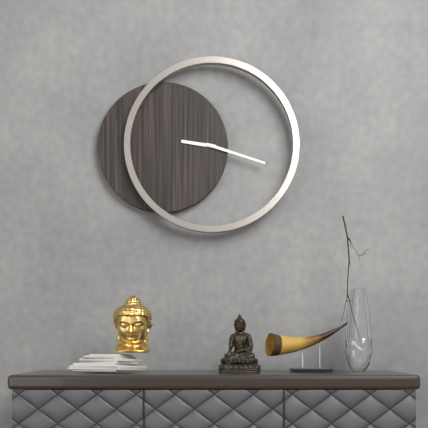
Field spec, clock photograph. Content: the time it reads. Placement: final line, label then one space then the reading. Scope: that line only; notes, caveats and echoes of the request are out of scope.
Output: 9:18
